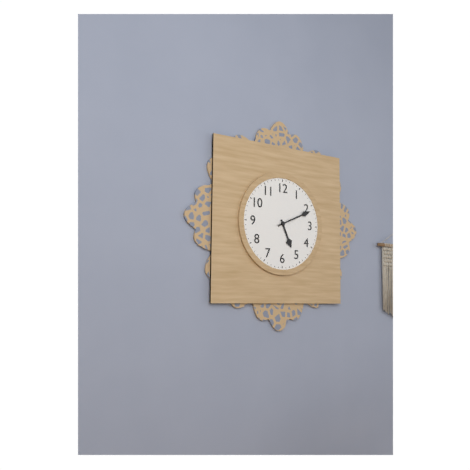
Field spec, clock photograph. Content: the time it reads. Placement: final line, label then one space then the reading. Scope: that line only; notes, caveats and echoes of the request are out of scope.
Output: 5:11
